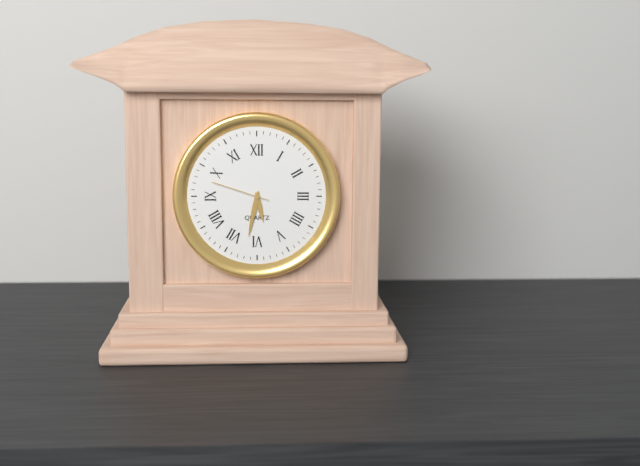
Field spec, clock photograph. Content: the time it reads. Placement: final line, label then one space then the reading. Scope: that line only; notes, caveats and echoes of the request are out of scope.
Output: 5:32:48
